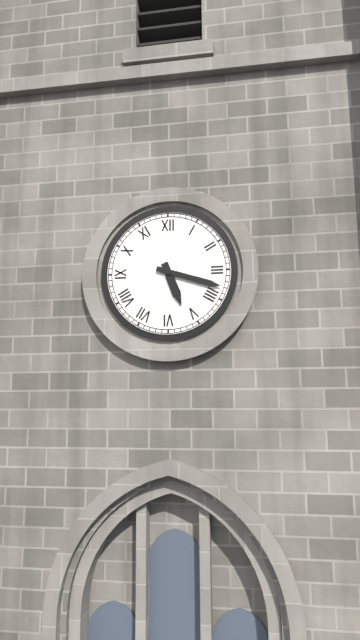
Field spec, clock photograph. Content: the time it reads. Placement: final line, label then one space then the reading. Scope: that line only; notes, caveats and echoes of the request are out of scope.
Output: 5:18
